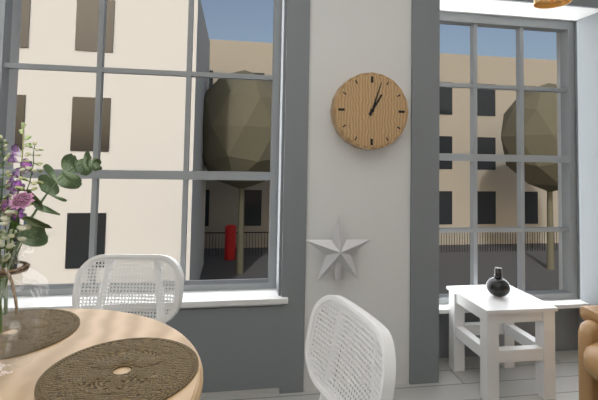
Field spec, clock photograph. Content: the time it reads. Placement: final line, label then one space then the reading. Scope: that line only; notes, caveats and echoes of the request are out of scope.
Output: 1:03
